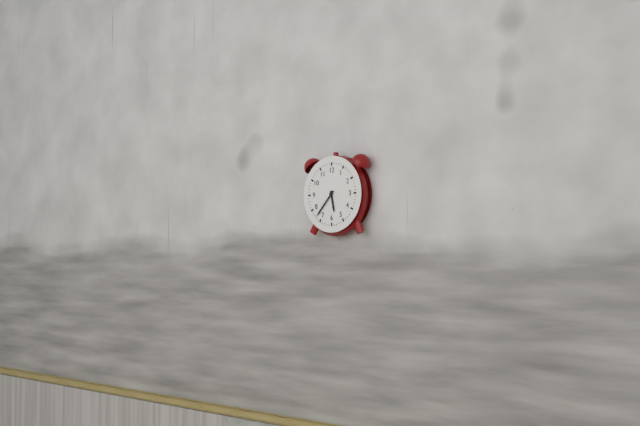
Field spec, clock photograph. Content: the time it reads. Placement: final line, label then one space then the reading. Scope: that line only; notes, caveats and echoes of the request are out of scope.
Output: 5:37
